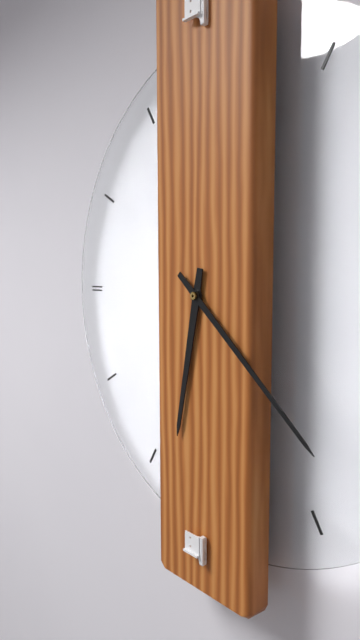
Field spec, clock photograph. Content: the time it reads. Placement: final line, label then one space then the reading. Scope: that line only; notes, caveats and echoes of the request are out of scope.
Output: 6:22
